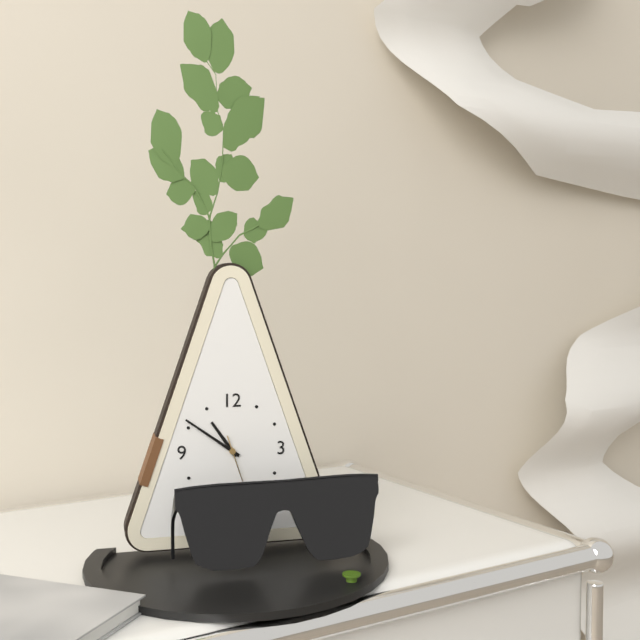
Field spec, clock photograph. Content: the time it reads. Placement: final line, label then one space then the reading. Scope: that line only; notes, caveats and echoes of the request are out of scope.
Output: 10:51
